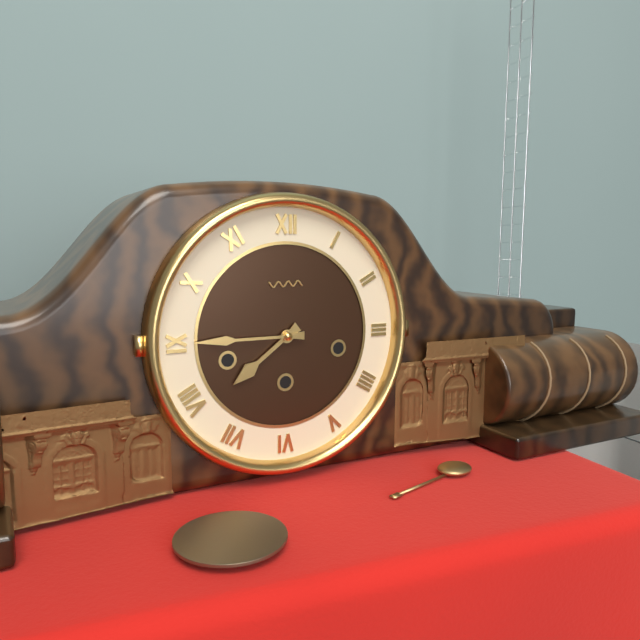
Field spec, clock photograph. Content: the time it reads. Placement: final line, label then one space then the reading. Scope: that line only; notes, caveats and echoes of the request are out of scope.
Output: 7:45
